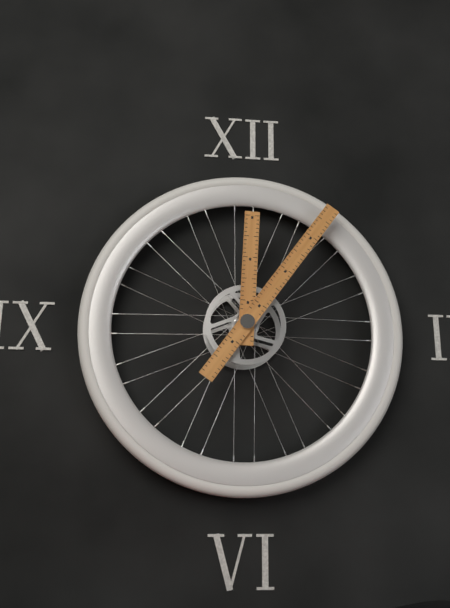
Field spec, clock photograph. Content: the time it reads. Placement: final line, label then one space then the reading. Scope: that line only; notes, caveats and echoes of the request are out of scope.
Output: 12:06
